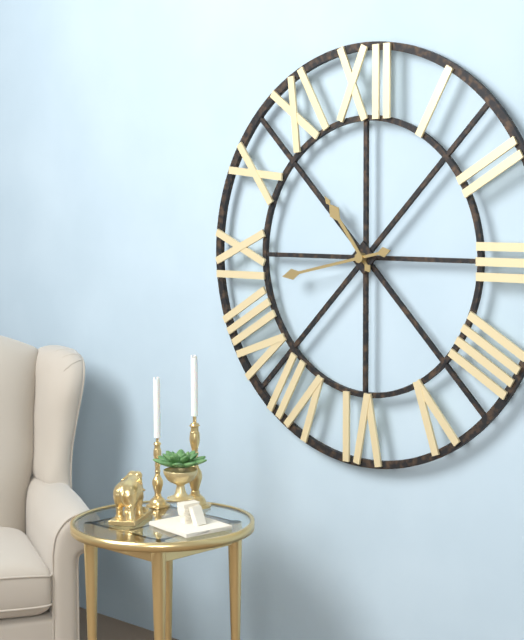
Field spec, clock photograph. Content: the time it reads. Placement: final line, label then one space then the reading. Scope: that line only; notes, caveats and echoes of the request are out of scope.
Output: 10:43
